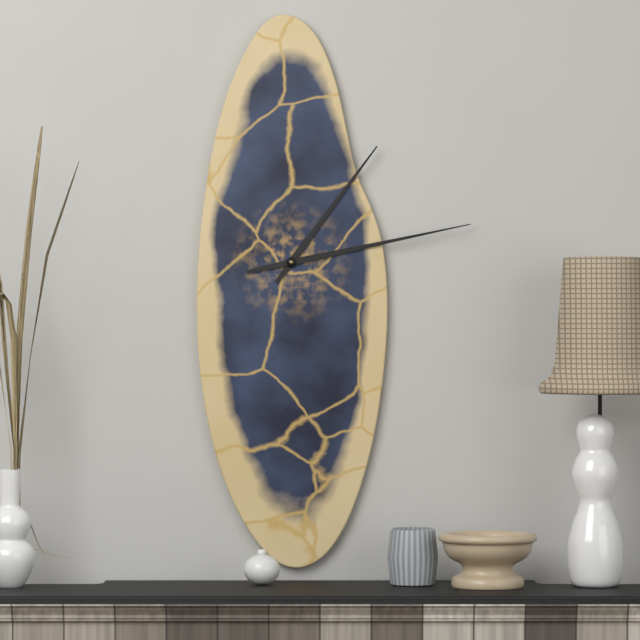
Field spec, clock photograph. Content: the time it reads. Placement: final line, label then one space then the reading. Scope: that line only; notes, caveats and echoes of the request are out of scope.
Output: 1:13
